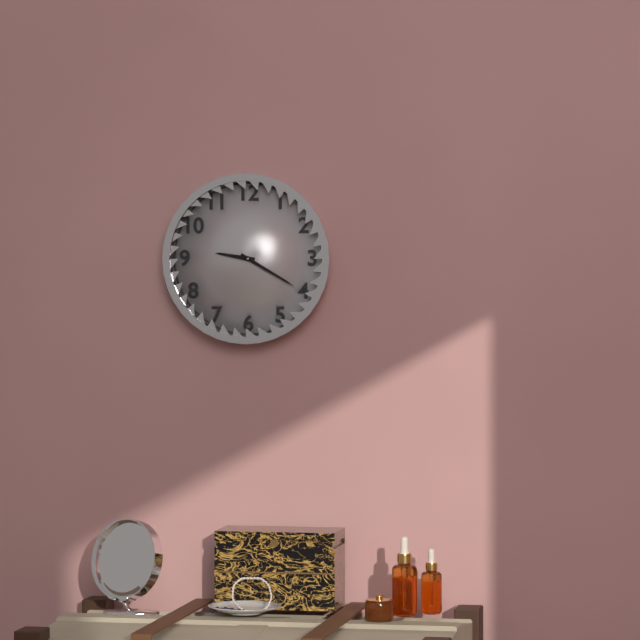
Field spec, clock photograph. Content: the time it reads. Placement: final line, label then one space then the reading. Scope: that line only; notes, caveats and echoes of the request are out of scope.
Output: 9:20
